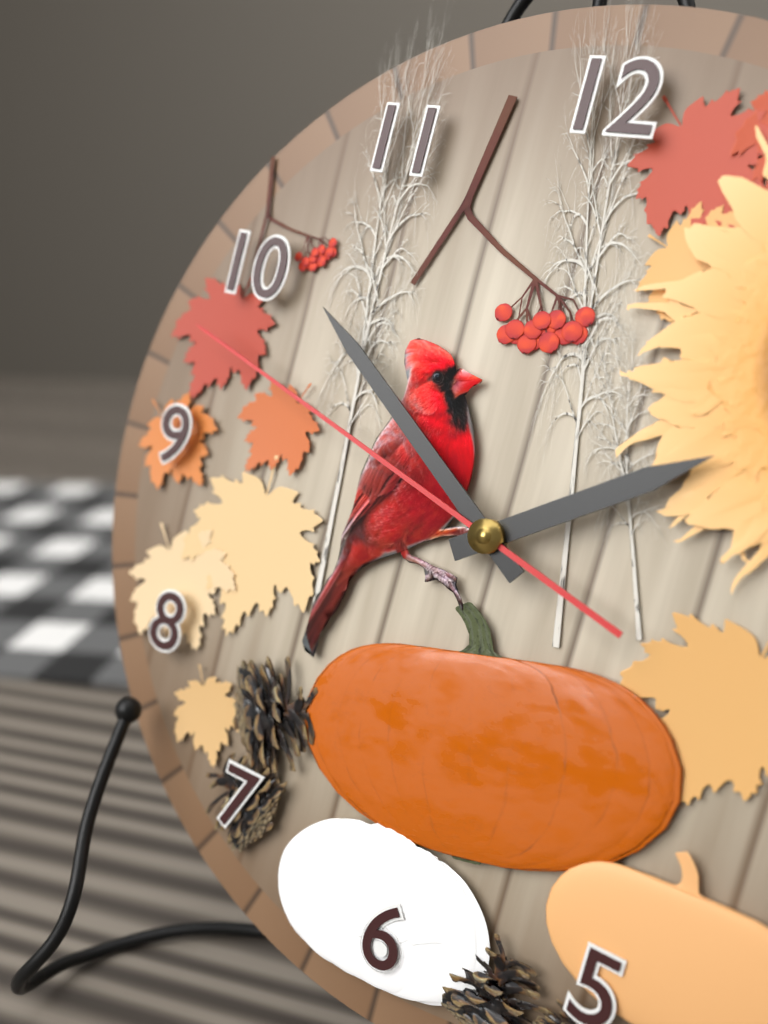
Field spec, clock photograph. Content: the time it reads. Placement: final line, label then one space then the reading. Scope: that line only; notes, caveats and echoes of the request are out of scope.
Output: 1:51:48
